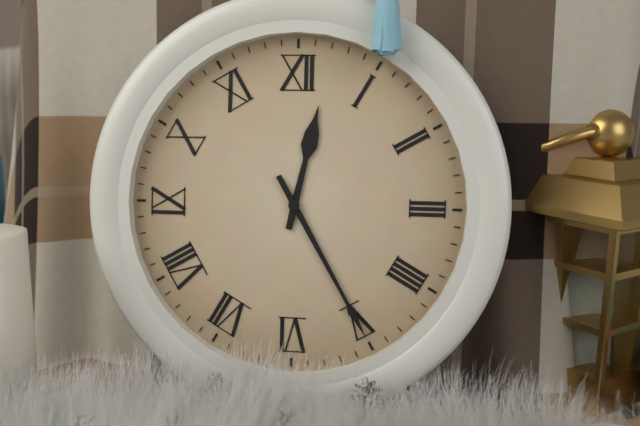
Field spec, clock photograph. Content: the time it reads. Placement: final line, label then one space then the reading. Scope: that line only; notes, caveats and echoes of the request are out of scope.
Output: 12:25
